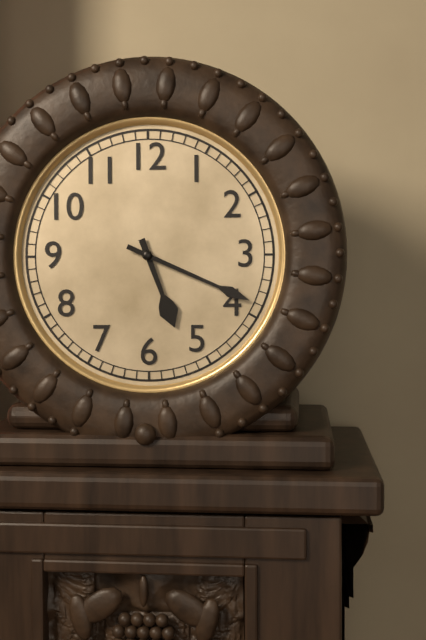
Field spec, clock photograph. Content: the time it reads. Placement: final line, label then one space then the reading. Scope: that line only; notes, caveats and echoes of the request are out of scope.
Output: 5:19
